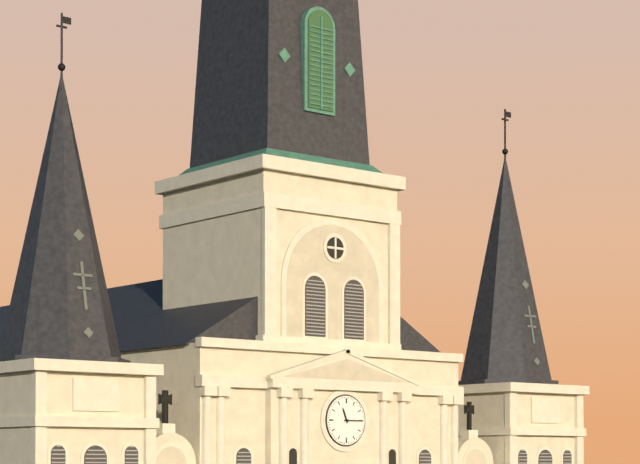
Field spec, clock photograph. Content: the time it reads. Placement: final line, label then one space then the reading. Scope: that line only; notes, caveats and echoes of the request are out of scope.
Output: 11:15
